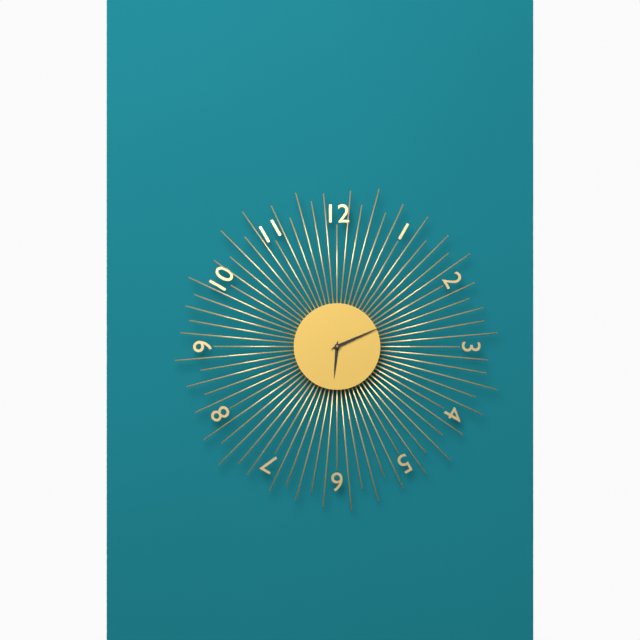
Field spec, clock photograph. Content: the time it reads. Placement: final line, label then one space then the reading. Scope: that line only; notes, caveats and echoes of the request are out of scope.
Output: 6:11
